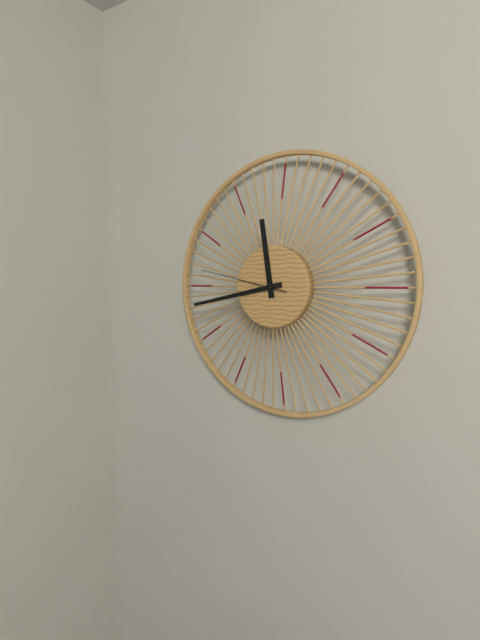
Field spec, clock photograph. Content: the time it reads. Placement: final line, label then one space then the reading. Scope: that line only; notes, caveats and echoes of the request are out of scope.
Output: 11:43:47
